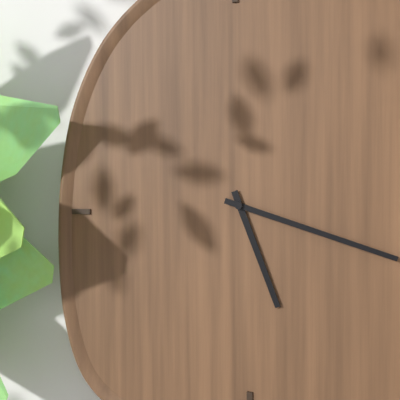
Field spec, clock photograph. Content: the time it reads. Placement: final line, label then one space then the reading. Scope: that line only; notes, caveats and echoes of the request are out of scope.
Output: 5:18
